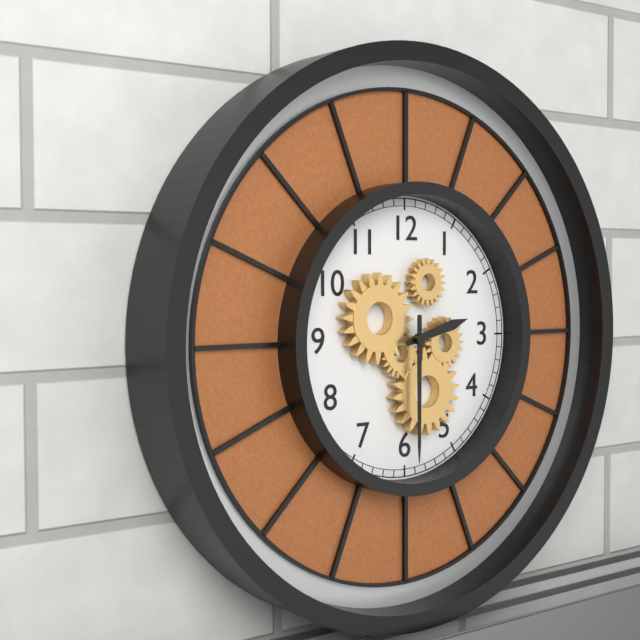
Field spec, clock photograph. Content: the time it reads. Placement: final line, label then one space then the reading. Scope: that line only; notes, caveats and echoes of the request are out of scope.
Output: 2:30
